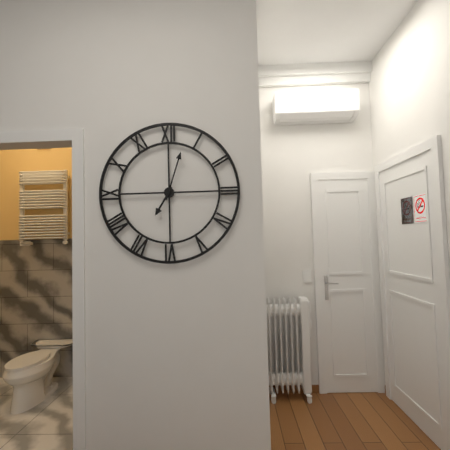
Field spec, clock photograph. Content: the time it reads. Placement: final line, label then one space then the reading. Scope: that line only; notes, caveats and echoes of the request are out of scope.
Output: 7:03
